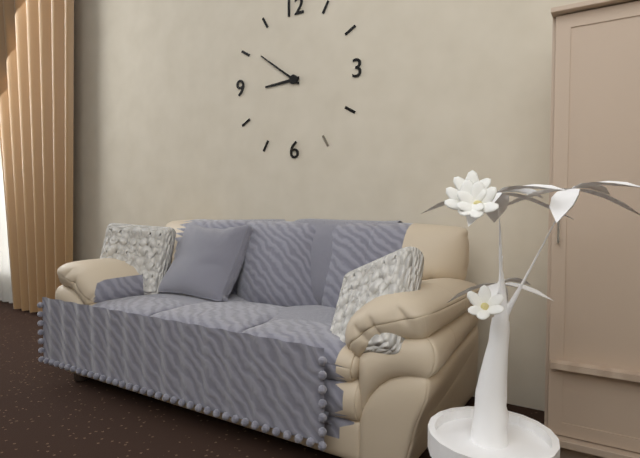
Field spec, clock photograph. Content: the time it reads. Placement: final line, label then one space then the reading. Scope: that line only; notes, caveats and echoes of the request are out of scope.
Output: 8:51
